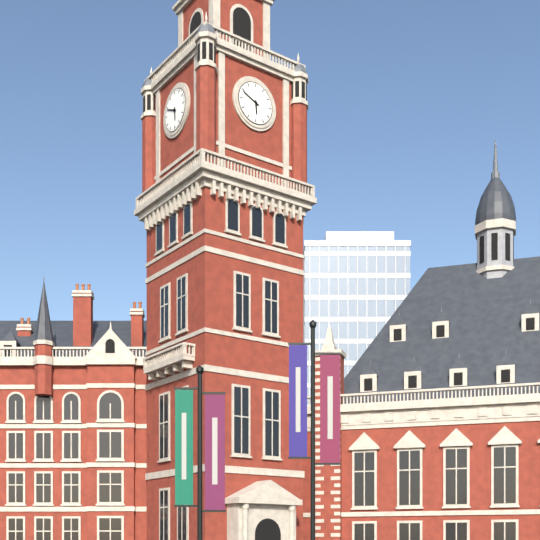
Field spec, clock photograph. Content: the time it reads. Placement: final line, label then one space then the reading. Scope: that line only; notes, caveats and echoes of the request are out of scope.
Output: 5:49
